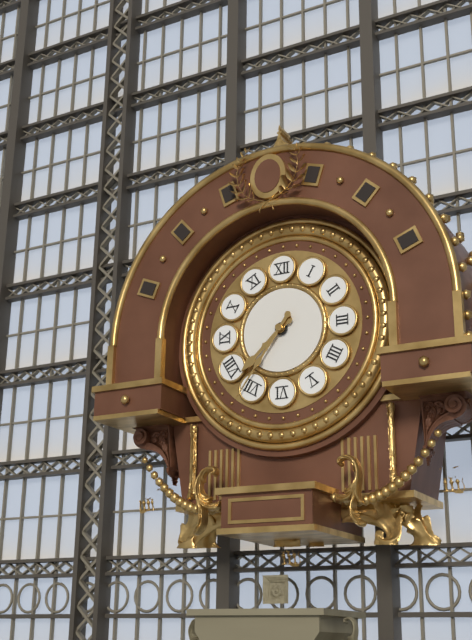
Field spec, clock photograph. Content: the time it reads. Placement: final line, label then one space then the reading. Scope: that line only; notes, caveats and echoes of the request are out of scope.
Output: 7:36
